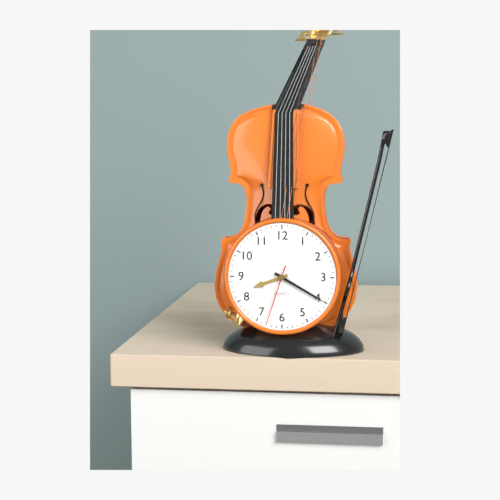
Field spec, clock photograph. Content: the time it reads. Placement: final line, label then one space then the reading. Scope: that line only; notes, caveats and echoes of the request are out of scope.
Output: 8:20:33
